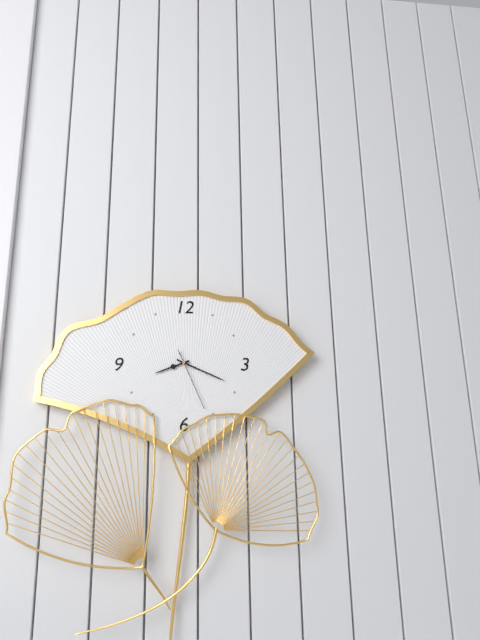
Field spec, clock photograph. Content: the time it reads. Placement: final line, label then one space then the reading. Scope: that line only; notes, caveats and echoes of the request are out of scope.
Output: 8:19:26
